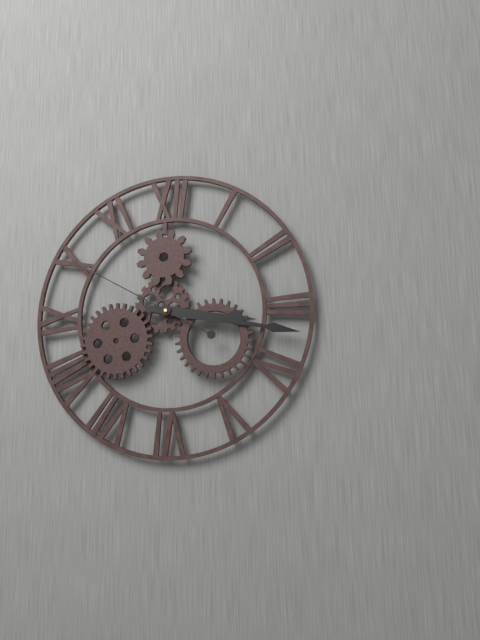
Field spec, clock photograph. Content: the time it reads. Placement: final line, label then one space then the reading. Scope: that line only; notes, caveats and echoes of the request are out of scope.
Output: 3:17:50
